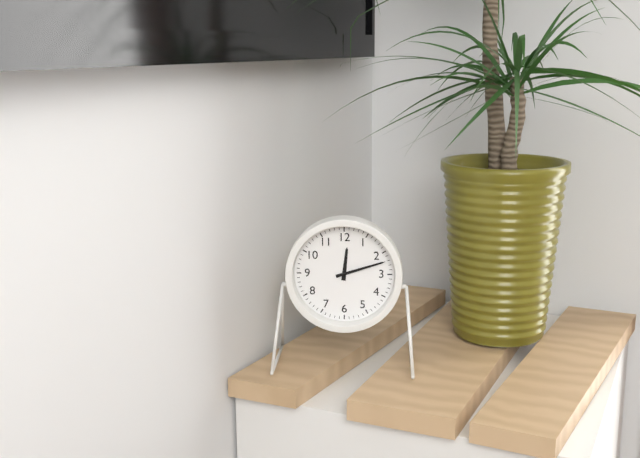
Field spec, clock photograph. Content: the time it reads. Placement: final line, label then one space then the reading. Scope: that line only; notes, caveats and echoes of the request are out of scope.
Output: 12:12
